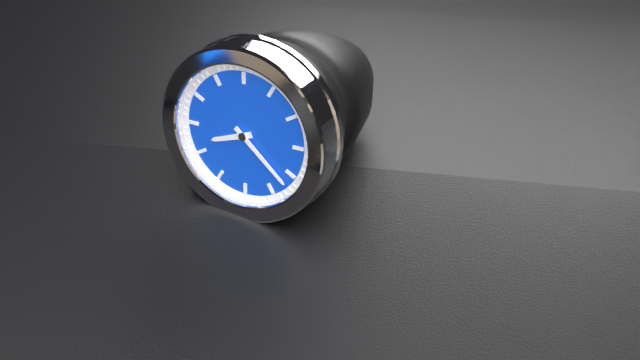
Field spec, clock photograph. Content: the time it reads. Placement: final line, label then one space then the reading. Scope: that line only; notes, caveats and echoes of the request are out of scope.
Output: 8:22
